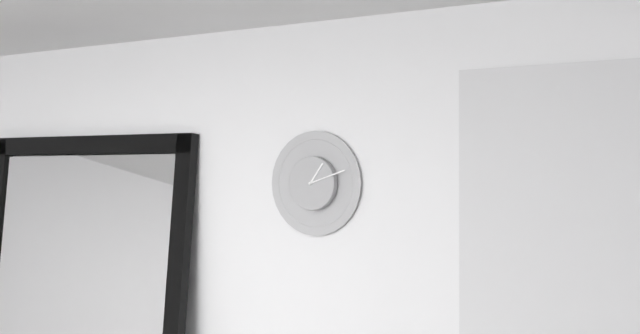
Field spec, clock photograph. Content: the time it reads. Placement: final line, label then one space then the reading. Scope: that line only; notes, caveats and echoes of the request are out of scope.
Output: 1:12
